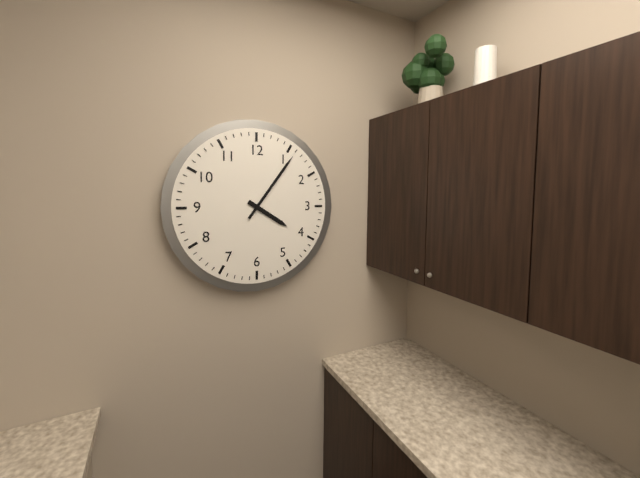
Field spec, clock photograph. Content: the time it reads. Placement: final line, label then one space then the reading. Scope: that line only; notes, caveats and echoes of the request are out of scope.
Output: 4:06
